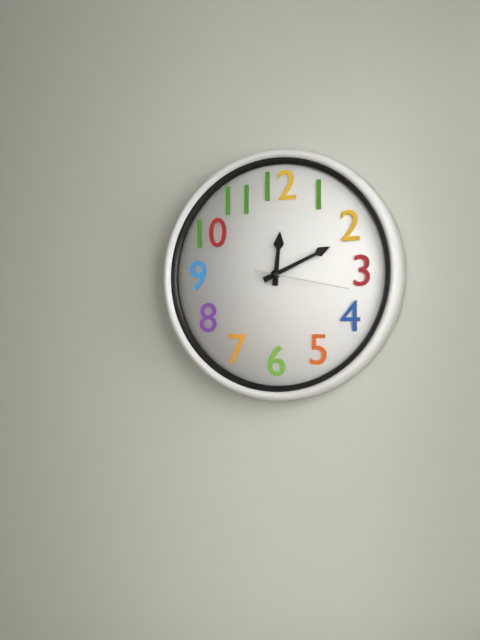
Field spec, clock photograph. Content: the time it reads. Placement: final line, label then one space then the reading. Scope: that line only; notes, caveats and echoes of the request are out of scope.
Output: 12:11:17
